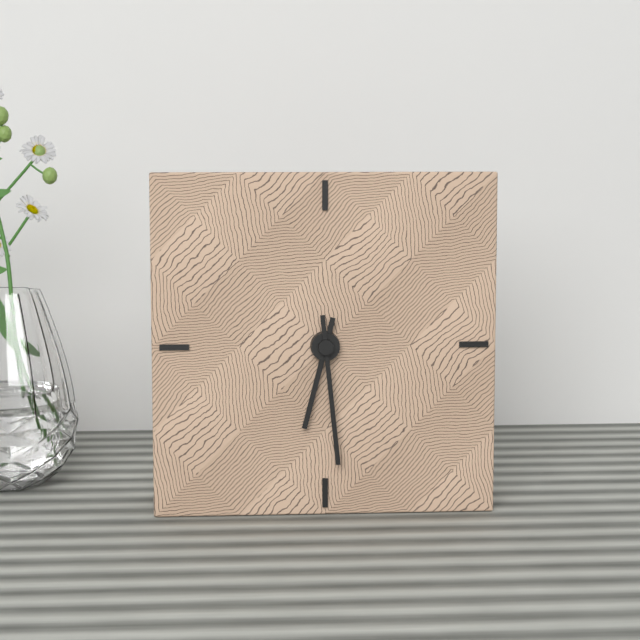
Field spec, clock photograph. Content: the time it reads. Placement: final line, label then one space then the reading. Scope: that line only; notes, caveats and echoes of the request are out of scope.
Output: 6:29
